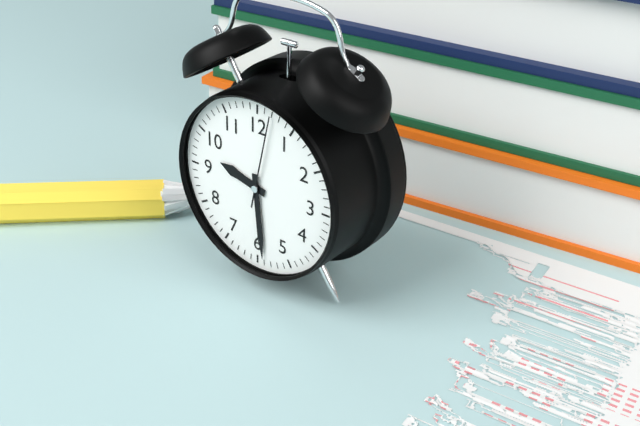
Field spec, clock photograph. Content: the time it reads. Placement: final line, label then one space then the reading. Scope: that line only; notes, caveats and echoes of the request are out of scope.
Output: 9:29:02
